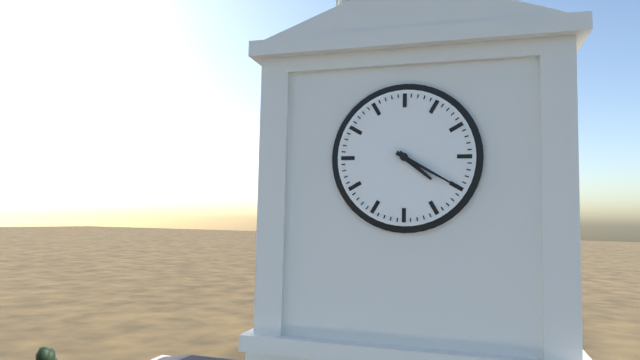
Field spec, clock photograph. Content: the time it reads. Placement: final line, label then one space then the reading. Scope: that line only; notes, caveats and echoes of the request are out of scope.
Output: 4:20
